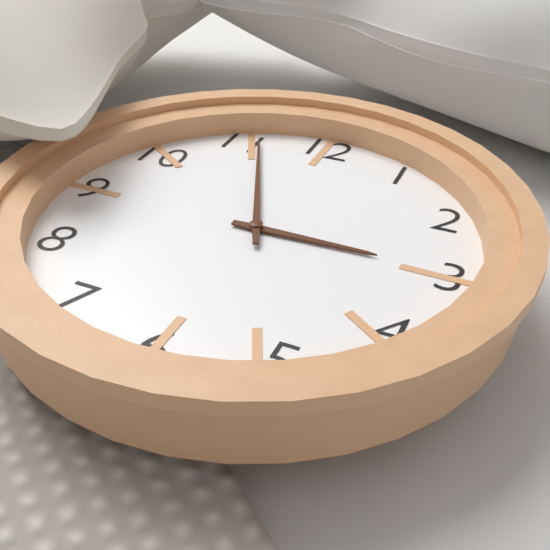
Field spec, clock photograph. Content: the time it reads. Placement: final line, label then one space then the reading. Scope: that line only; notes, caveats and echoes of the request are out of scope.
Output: 2:56
